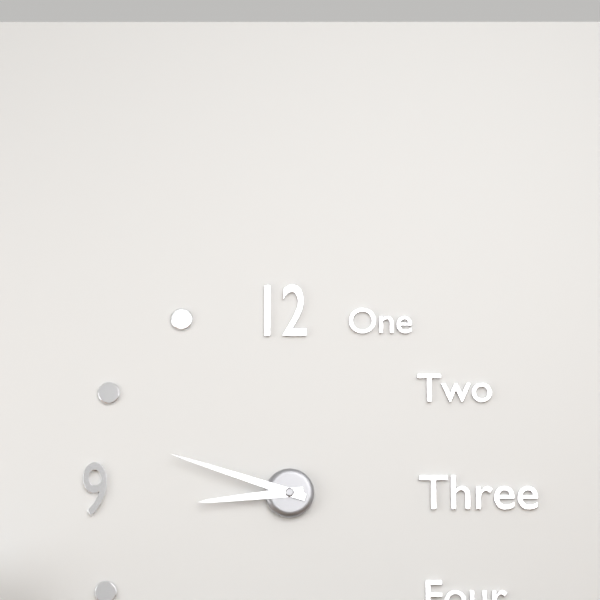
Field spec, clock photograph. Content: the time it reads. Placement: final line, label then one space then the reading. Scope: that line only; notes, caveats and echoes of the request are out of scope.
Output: 8:48
